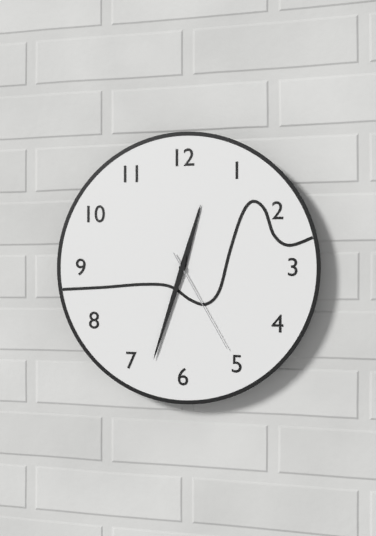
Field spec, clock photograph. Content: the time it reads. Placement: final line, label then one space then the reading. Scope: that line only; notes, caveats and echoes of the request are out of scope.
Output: 12:33:25
